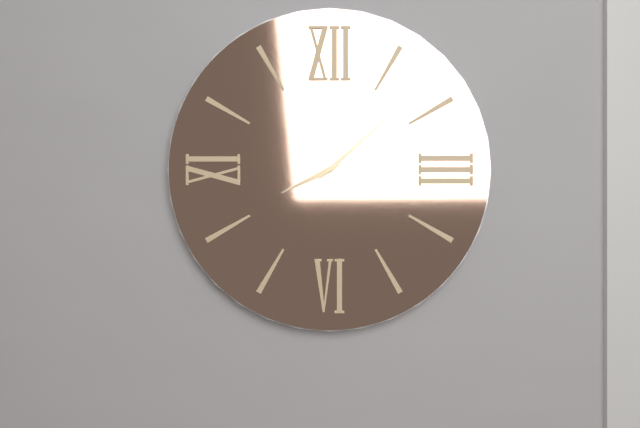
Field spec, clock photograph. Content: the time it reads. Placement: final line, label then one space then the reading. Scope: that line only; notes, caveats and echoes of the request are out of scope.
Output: 8:08
